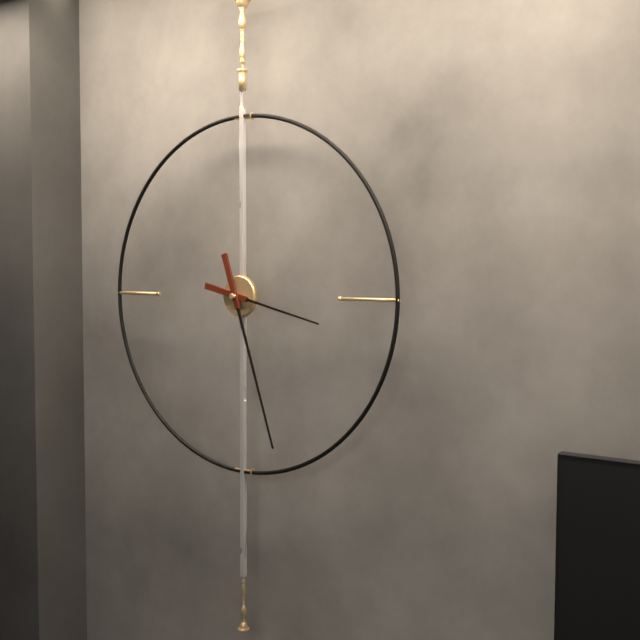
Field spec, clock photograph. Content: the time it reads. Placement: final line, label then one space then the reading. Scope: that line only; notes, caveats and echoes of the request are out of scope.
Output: 3:27
